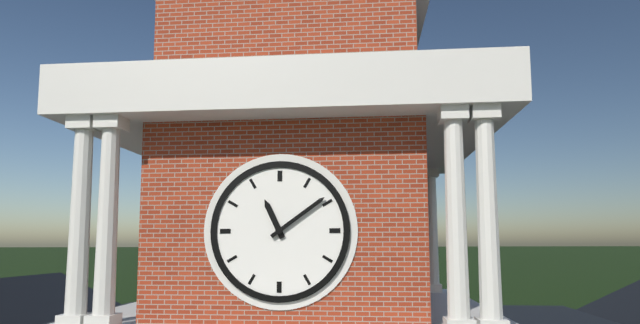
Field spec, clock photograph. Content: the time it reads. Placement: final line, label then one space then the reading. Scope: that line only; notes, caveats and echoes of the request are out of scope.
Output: 11:09
